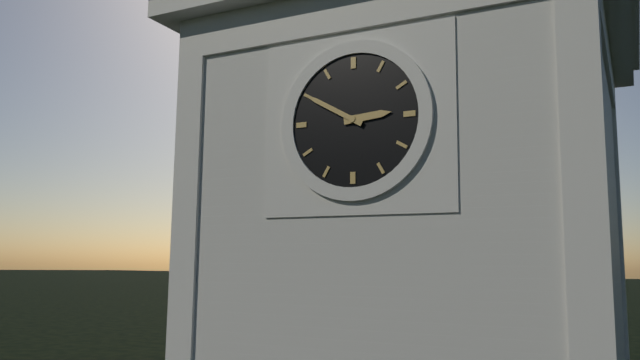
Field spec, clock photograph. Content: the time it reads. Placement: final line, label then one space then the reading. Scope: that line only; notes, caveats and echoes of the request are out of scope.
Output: 2:50
